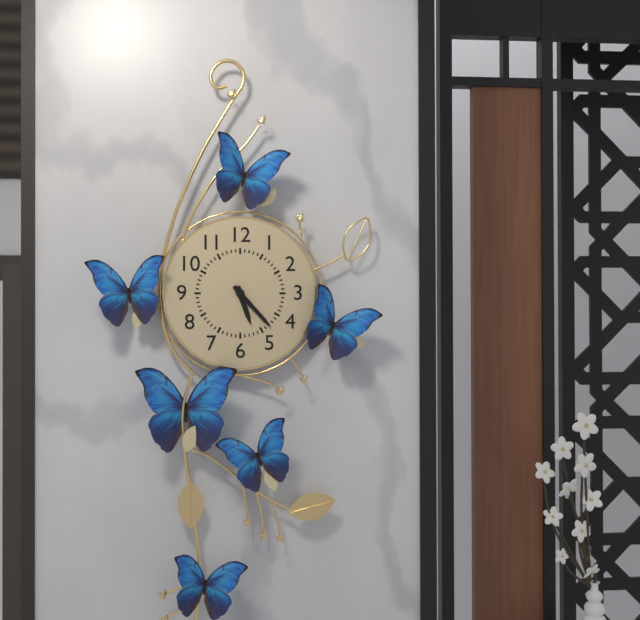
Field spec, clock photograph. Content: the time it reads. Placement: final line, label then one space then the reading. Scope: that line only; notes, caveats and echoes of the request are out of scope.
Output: 5:23
